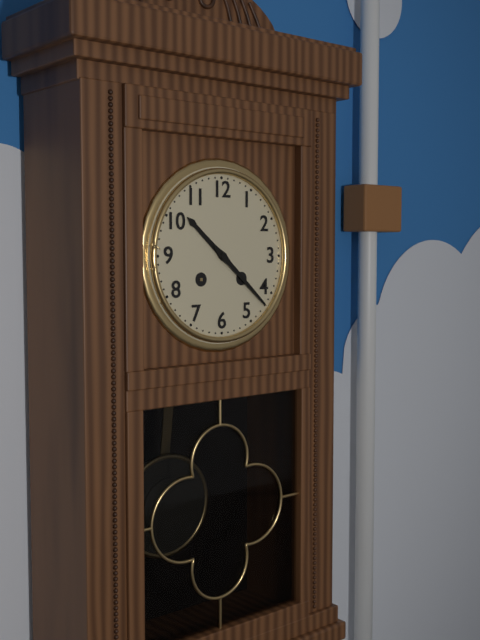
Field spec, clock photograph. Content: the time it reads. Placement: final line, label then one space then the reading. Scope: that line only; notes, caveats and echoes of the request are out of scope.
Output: 10:22
